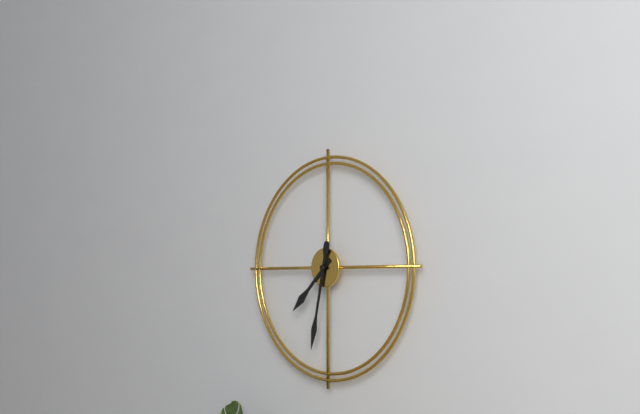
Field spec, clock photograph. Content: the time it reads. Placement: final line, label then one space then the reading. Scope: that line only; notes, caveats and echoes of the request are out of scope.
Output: 7:32
